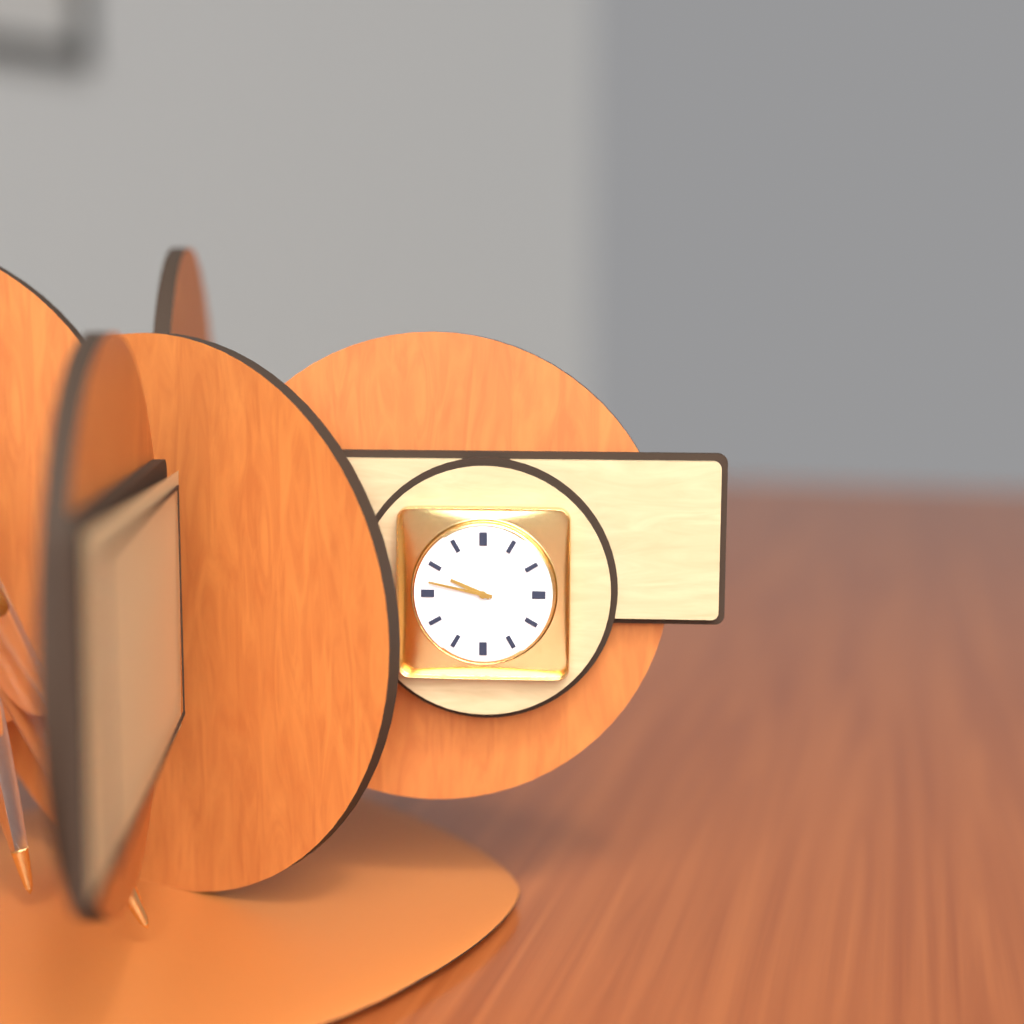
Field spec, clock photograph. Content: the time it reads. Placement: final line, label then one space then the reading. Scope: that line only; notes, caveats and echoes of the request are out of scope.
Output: 9:47
